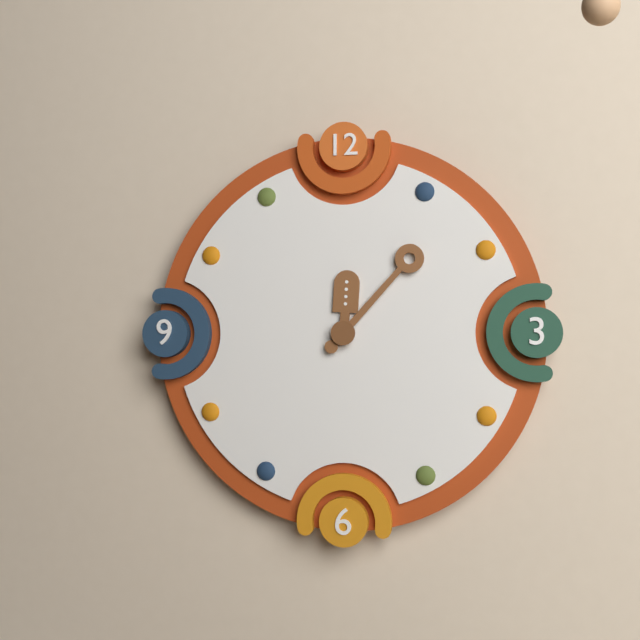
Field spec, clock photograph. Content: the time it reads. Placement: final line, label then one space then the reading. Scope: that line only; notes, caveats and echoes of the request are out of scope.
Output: 12:07
